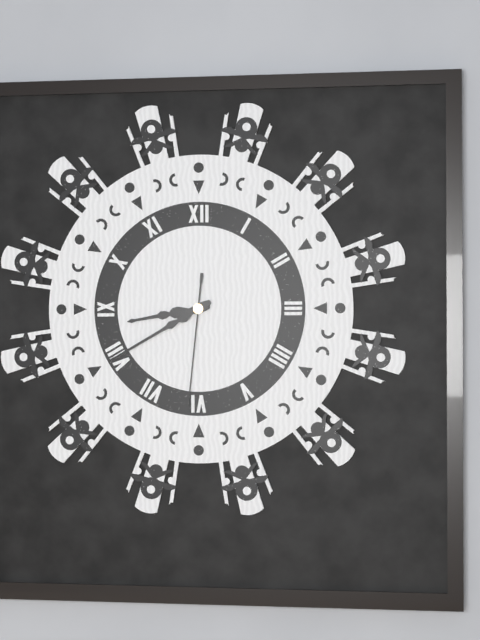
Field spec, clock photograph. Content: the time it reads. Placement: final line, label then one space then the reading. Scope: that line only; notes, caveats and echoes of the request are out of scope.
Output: 8:40:31
